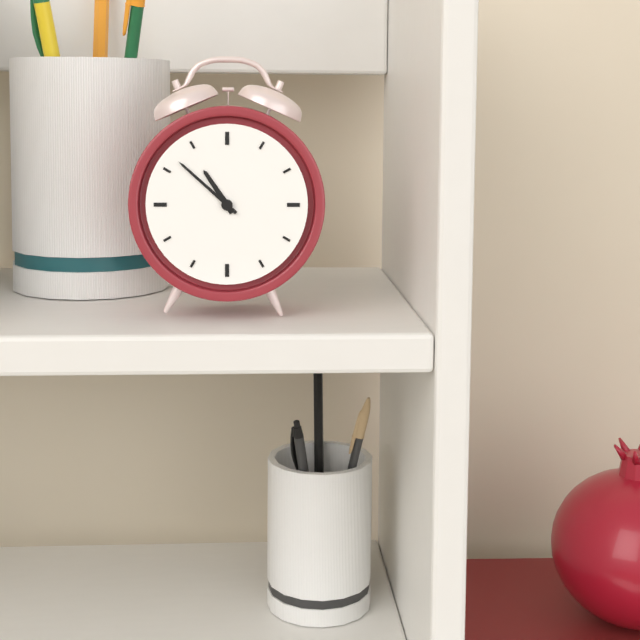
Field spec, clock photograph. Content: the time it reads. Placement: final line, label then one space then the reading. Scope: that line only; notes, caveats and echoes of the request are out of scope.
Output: 10:52
